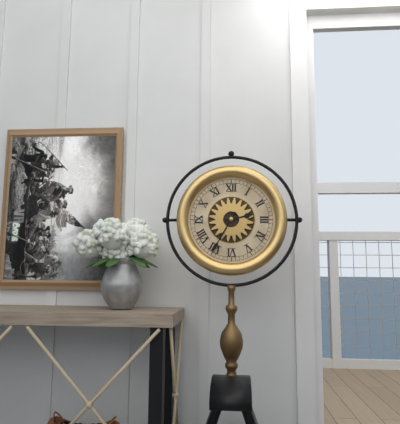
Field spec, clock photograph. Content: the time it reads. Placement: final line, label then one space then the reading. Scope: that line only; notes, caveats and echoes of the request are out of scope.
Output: 2:35
